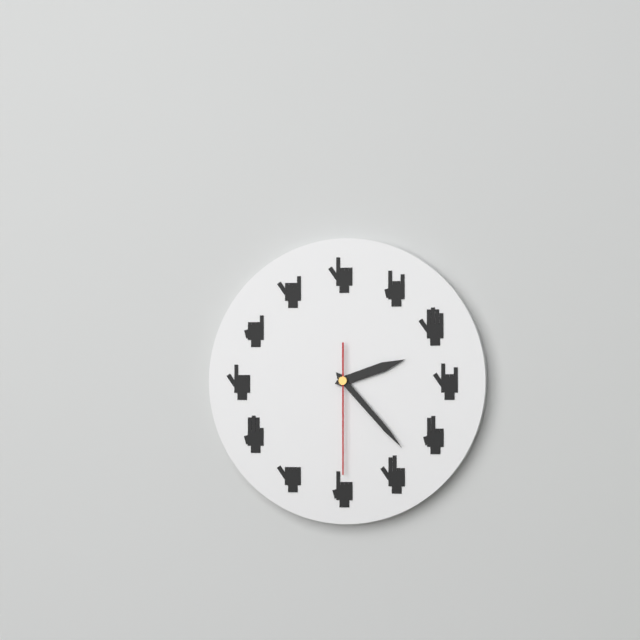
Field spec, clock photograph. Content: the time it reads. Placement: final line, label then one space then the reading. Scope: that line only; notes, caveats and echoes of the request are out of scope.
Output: 2:23:30
